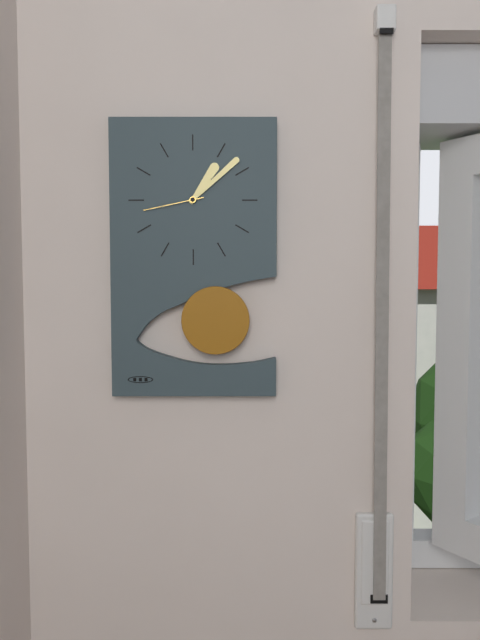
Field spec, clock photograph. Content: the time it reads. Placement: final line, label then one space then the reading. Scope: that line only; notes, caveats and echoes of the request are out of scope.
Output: 1:08:43
